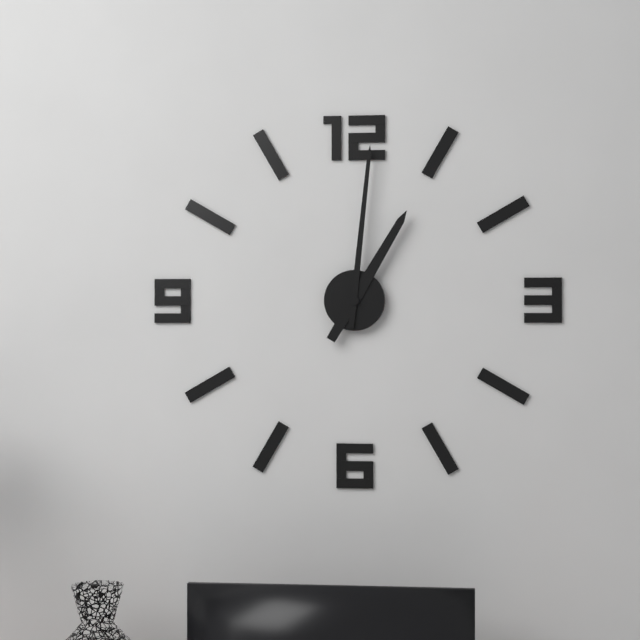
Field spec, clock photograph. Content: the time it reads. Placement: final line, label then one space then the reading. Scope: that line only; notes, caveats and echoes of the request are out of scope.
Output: 1:01
